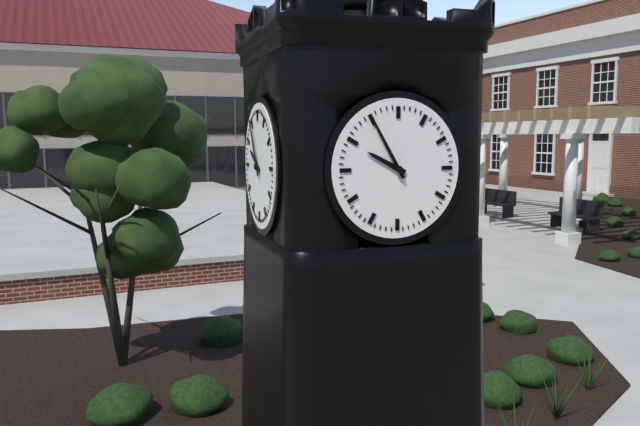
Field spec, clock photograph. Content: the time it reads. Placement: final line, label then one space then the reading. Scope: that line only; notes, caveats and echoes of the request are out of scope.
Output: 9:55
